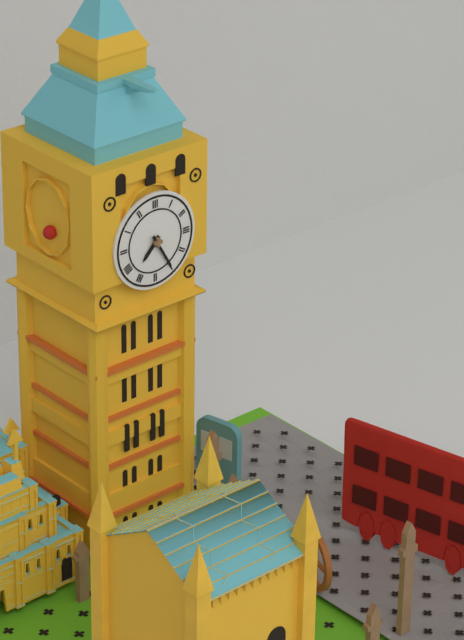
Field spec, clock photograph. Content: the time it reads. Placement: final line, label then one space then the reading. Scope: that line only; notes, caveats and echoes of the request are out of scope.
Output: 7:25
